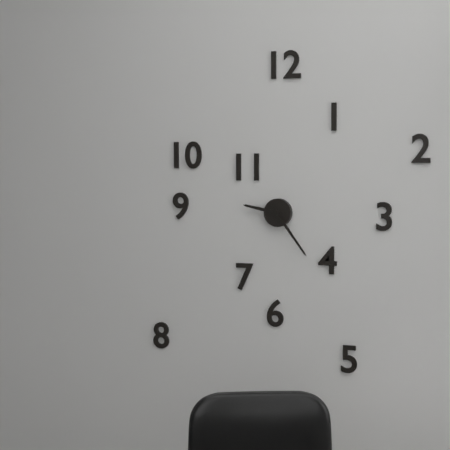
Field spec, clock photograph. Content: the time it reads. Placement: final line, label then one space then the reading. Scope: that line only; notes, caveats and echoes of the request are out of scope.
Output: 9:24
